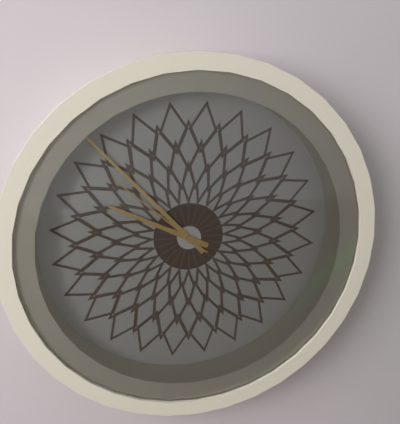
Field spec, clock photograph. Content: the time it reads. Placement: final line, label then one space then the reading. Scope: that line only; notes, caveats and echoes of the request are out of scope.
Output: 9:53:52
